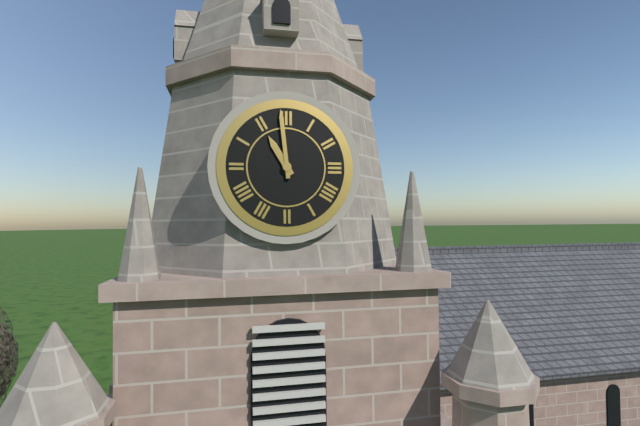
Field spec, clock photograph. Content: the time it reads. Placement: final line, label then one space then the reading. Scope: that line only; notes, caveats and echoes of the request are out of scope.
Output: 10:59
